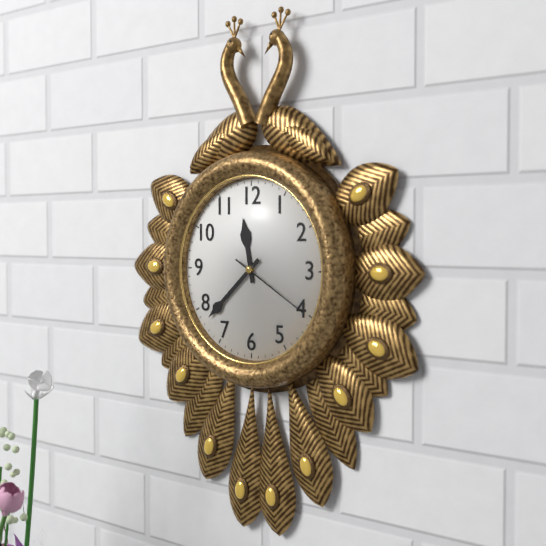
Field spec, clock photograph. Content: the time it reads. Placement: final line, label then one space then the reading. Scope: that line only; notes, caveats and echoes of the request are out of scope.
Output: 11:38:20
